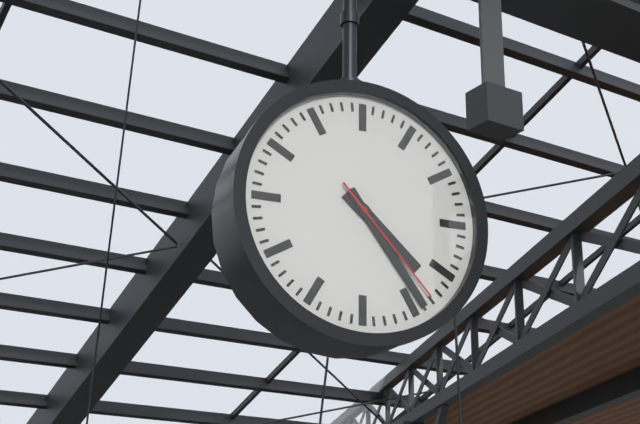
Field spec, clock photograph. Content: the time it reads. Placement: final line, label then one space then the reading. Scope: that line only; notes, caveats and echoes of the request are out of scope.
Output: 4:24:23
